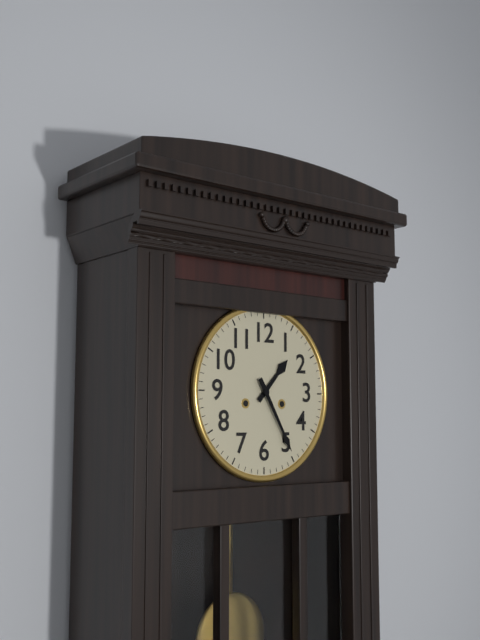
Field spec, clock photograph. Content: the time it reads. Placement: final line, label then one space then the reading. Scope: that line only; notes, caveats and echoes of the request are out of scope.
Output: 1:25
